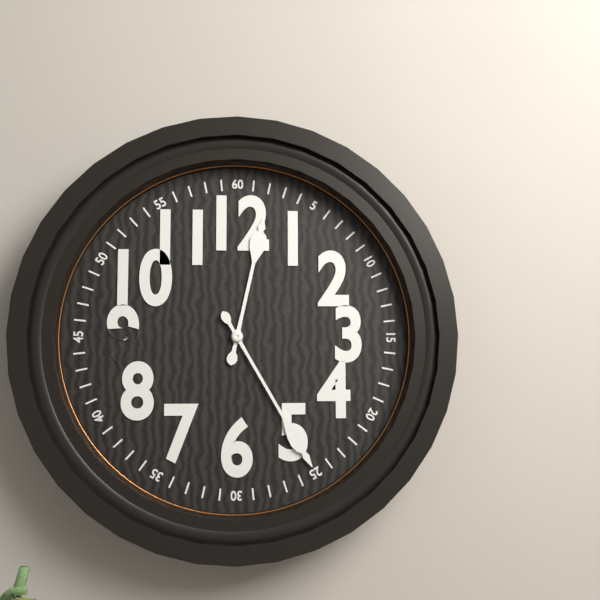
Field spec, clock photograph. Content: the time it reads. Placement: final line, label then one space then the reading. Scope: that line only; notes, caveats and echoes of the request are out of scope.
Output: 12:25
